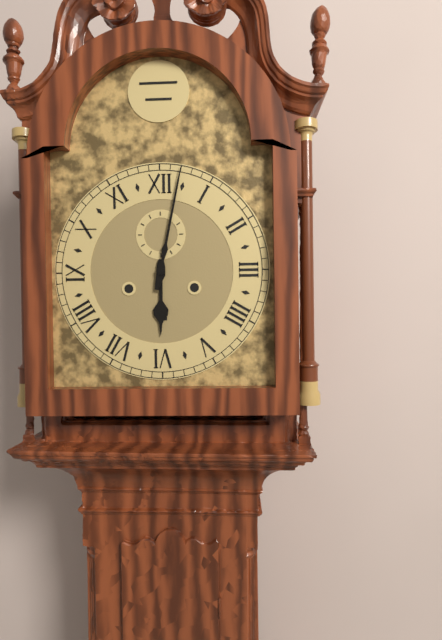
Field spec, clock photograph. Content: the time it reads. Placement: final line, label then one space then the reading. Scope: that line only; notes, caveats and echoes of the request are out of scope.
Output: 6:02
